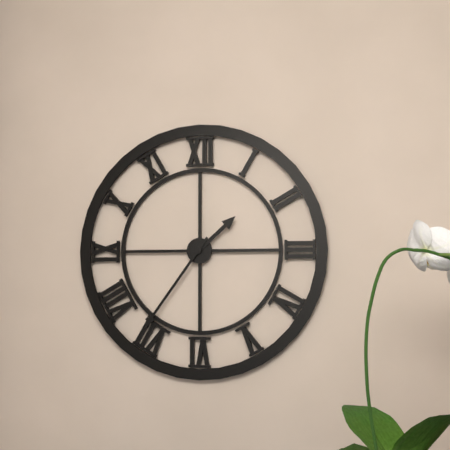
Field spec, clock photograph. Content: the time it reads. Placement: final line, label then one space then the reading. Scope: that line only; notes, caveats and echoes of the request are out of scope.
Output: 1:36
